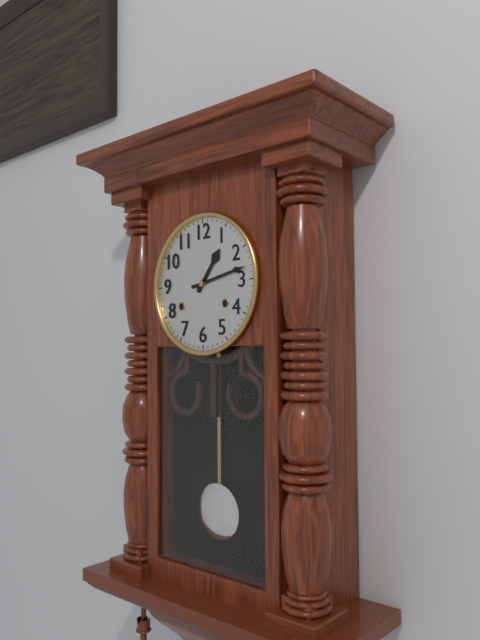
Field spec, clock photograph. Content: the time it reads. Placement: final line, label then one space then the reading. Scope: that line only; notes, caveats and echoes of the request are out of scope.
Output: 1:13
